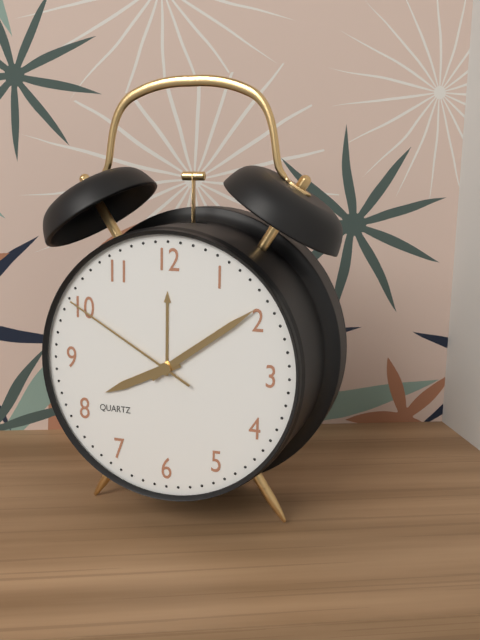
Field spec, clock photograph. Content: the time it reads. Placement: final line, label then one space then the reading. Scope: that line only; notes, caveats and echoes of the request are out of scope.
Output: 8:09:50
